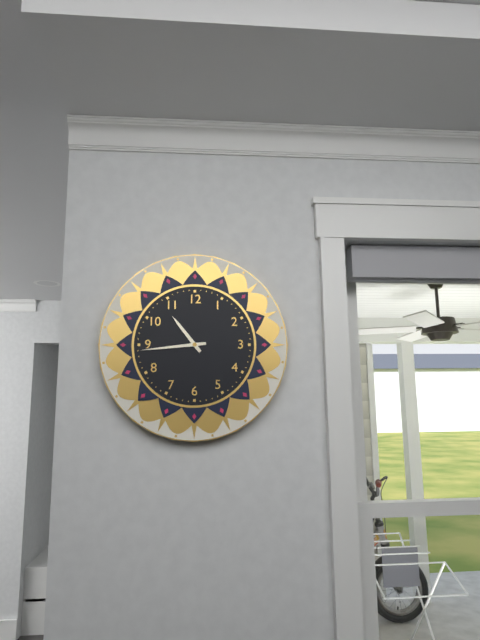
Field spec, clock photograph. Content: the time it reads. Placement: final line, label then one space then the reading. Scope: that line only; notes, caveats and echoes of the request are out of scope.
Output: 10:44
